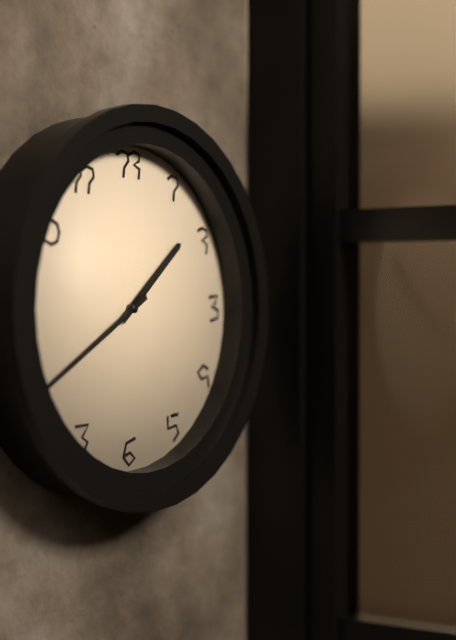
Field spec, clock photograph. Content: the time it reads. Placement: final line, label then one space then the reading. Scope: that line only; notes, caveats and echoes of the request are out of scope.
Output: 1:40
